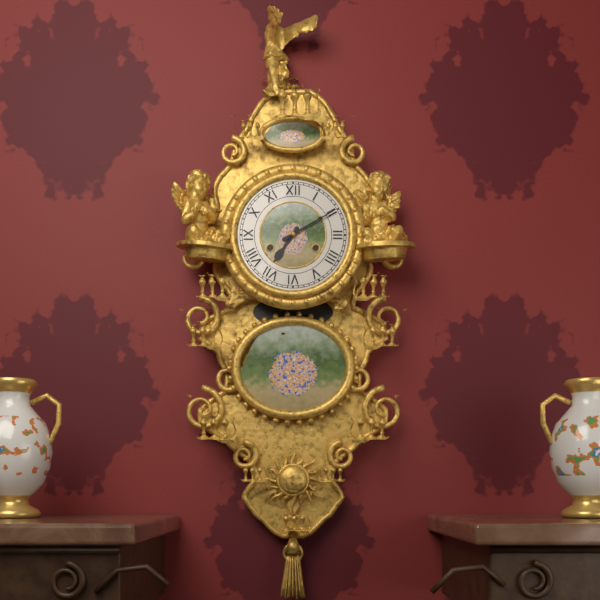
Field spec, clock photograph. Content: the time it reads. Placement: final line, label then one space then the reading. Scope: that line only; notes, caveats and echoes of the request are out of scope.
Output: 7:10
